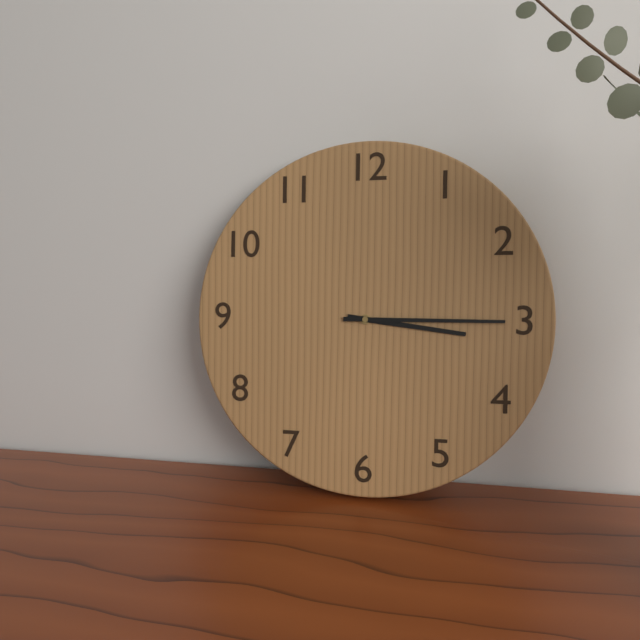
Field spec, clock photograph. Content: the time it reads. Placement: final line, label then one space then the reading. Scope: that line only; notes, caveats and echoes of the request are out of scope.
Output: 3:15
